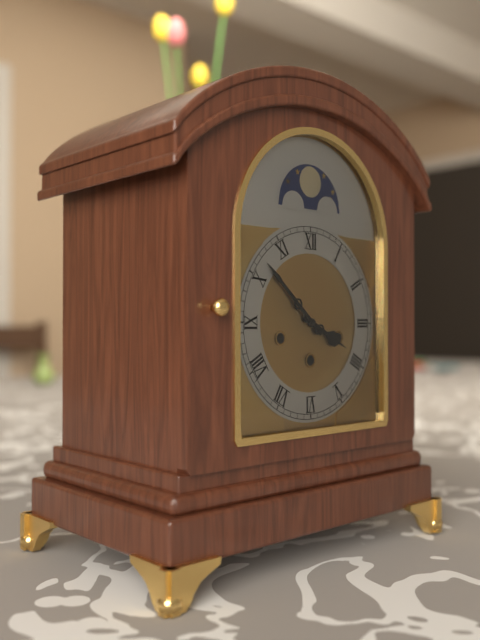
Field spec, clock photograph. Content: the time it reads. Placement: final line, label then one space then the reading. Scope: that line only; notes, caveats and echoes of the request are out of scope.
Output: 3:52
